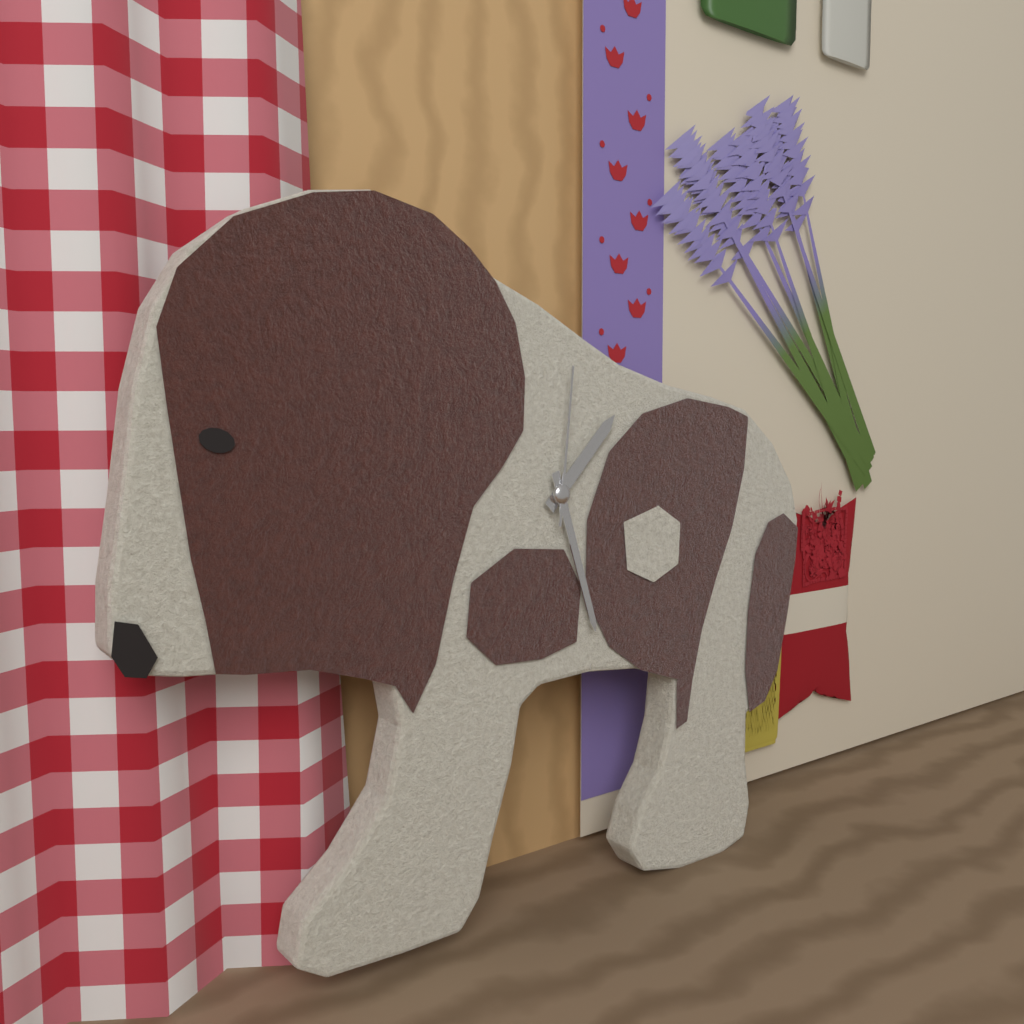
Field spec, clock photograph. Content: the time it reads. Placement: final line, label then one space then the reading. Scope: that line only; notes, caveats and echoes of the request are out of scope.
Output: 1:27:01
